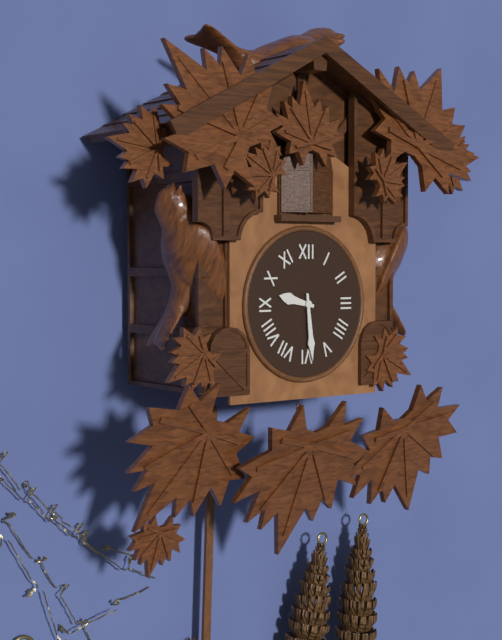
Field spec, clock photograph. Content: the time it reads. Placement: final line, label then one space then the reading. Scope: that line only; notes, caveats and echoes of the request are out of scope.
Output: 9:29
